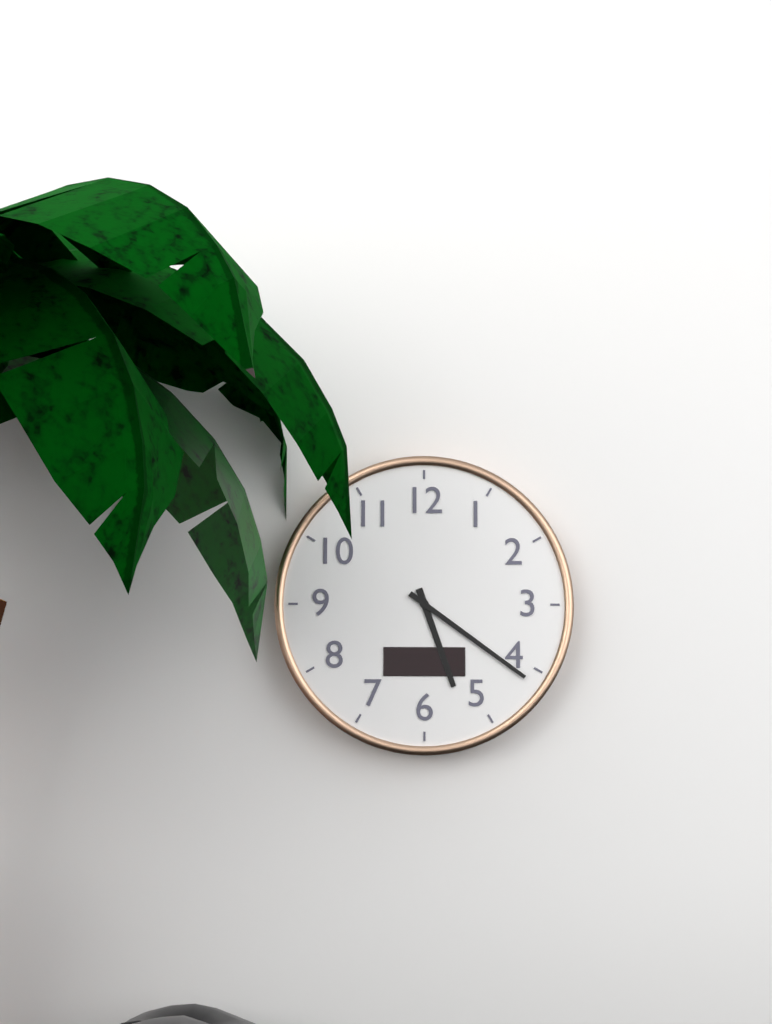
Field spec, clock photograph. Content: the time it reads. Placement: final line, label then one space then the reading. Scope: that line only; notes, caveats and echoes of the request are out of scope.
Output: 5:21
